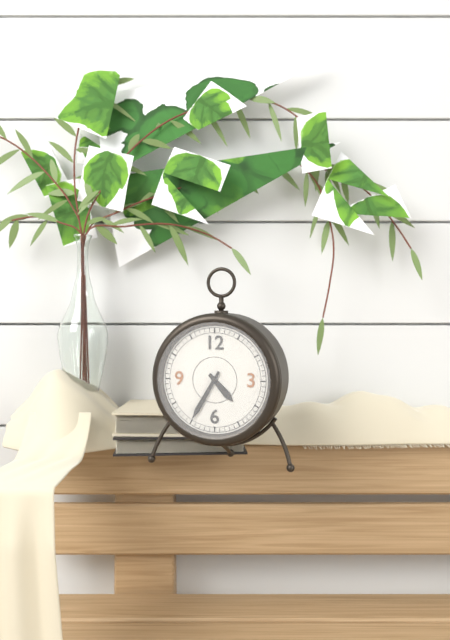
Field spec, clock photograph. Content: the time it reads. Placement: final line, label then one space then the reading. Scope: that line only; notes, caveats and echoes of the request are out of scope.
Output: 4:35
